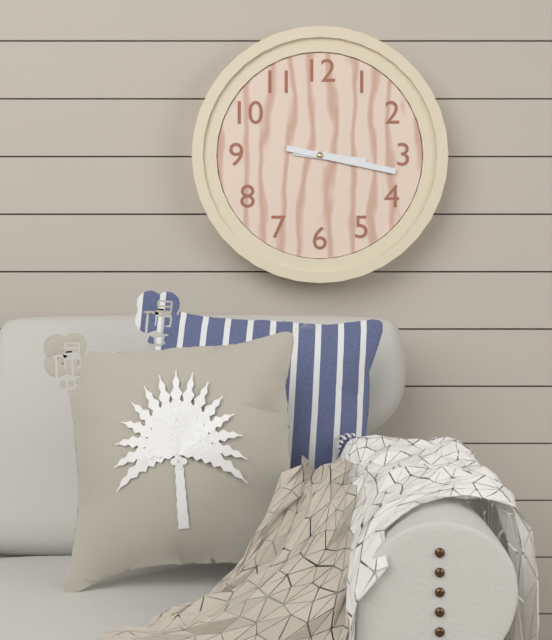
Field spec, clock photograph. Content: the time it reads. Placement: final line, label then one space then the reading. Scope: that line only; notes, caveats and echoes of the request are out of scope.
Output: 3:17
